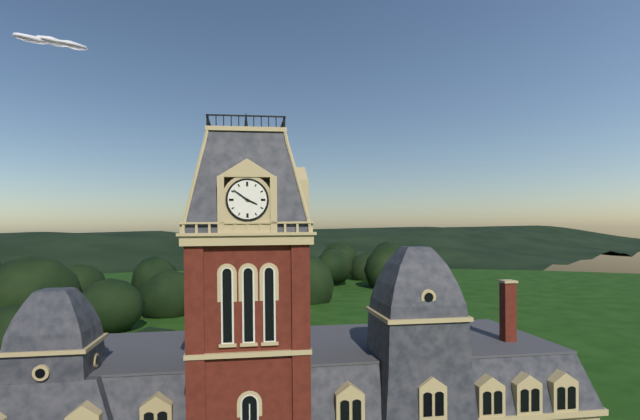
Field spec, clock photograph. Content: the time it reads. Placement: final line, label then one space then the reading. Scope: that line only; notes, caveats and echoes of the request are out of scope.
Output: 3:51
